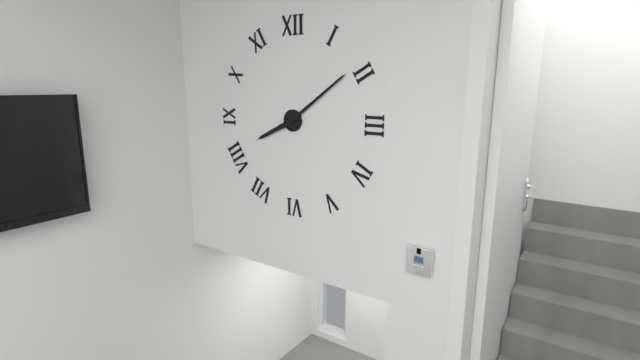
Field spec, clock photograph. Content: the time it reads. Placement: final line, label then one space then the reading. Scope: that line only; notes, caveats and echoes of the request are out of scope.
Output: 8:09
